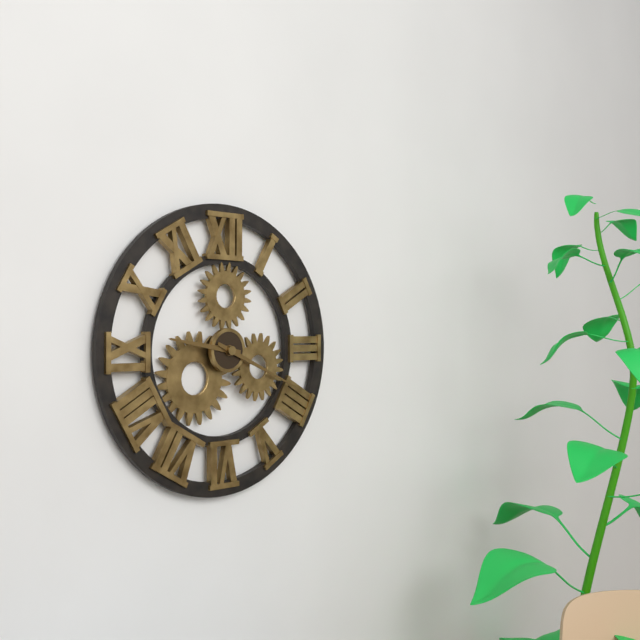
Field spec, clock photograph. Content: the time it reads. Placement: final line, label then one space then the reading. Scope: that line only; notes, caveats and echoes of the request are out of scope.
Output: 9:19
